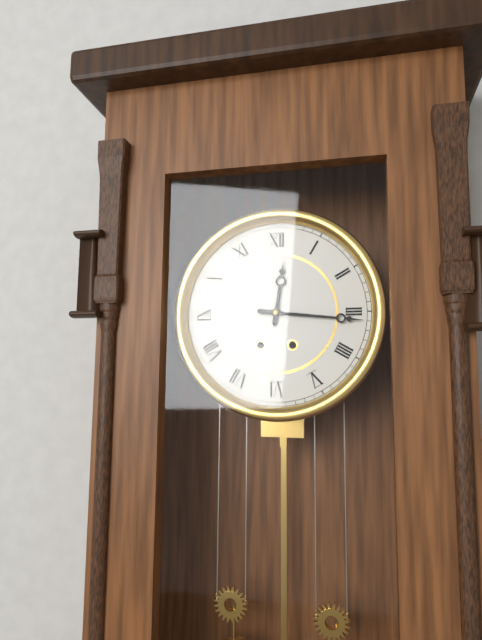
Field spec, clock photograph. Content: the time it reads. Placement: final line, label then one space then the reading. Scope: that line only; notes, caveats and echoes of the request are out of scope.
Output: 12:16
